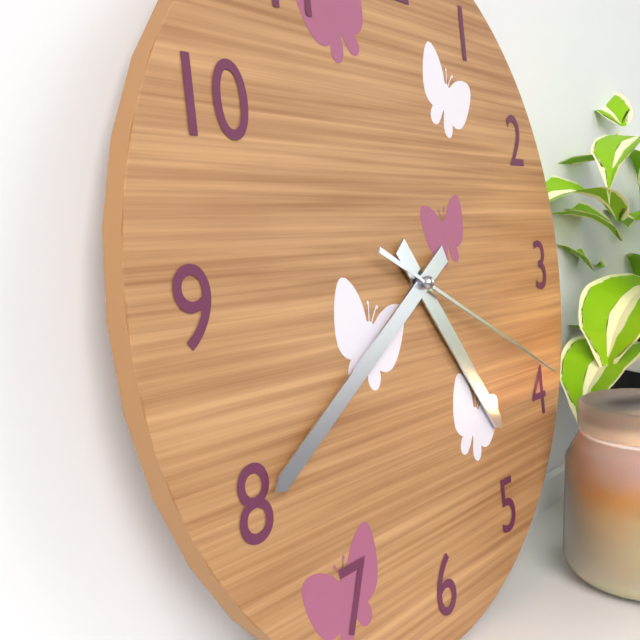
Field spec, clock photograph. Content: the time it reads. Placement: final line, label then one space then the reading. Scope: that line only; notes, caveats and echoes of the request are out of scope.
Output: 4:40:19
